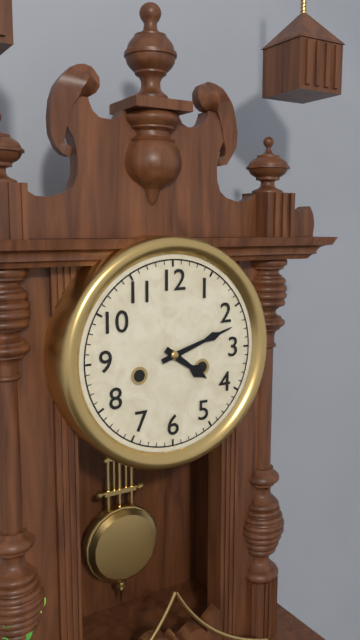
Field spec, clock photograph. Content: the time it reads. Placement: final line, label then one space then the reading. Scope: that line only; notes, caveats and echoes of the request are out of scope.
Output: 4:12
